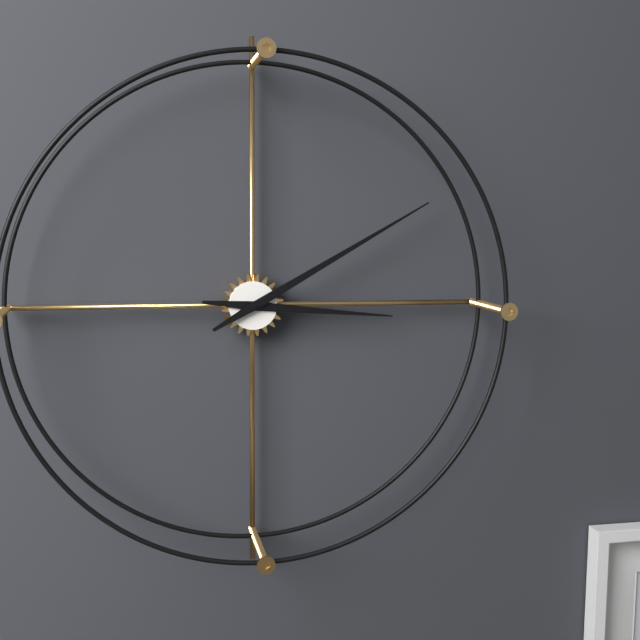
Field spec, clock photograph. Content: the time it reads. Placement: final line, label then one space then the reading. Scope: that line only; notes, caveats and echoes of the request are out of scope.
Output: 3:10
